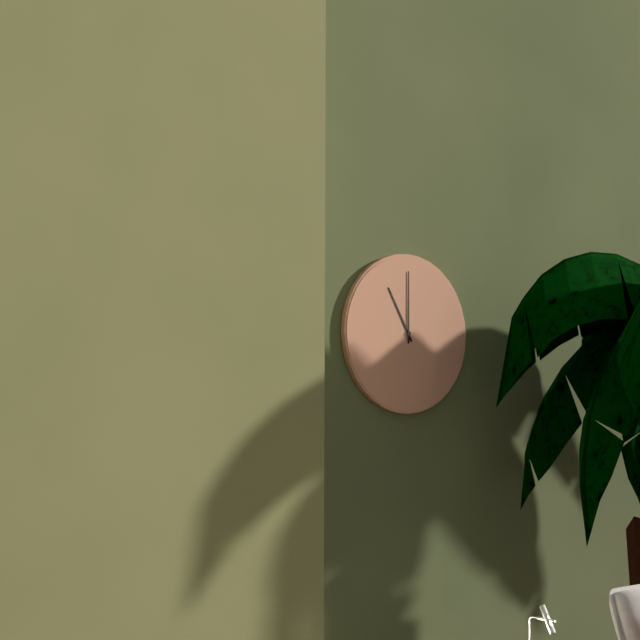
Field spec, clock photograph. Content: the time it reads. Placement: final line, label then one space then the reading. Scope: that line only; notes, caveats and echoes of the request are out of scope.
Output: 11:00
